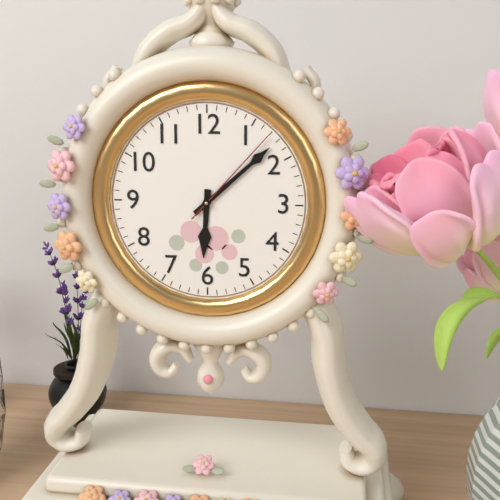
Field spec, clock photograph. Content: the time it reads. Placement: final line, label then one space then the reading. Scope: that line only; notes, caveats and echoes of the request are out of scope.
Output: 6:08:07
